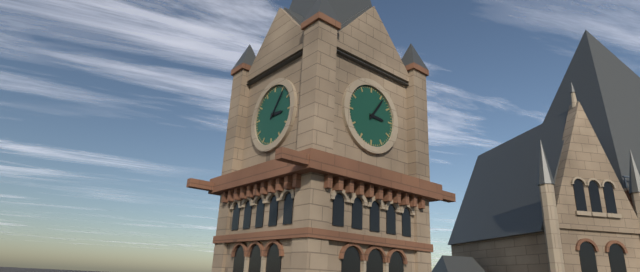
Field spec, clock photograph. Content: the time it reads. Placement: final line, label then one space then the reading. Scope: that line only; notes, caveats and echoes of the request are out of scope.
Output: 3:06
